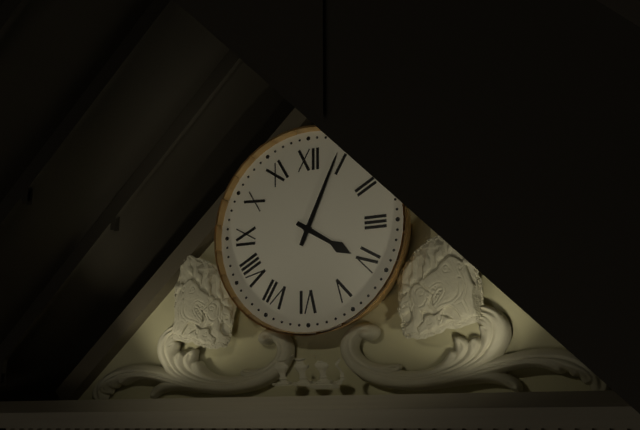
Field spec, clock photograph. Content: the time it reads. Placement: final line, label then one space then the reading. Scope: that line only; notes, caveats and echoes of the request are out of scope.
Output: 4:04
